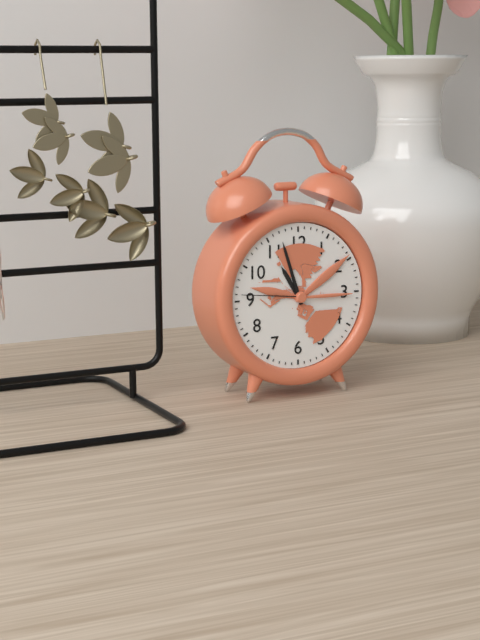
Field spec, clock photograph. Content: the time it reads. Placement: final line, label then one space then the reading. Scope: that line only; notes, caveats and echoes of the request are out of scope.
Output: 10:57:46
